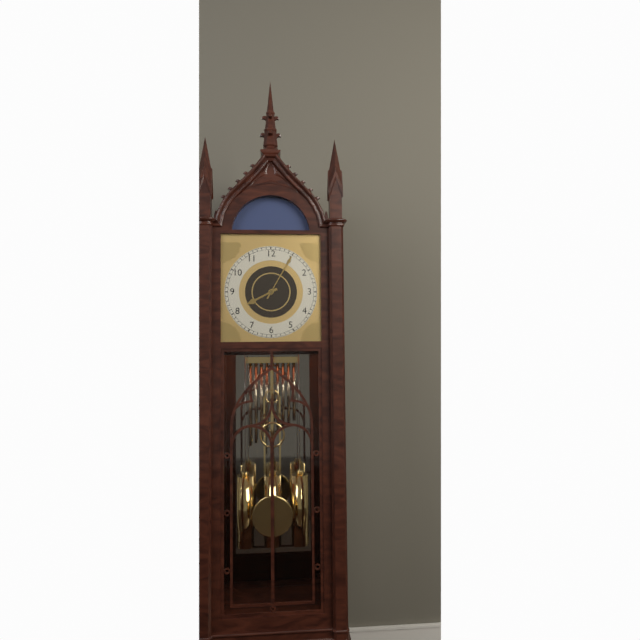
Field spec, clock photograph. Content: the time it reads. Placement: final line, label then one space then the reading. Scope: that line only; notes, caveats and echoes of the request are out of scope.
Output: 8:05
